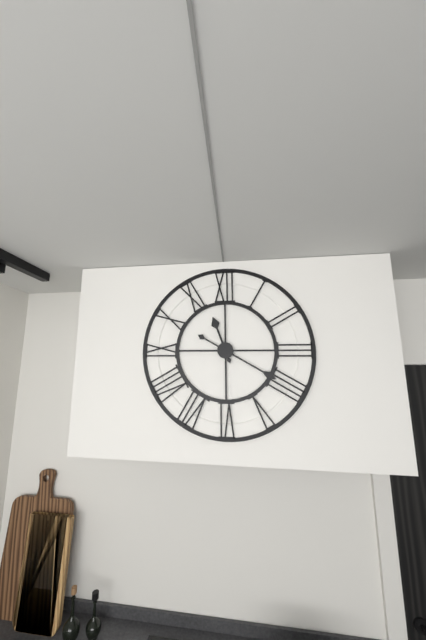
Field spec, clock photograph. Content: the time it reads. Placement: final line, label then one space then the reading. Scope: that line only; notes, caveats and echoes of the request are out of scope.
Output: 11:20
